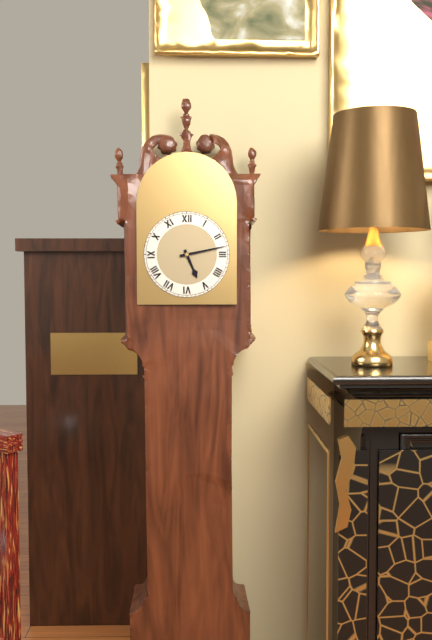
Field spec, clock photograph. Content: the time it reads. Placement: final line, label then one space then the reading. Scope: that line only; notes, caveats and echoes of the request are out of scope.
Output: 5:13
